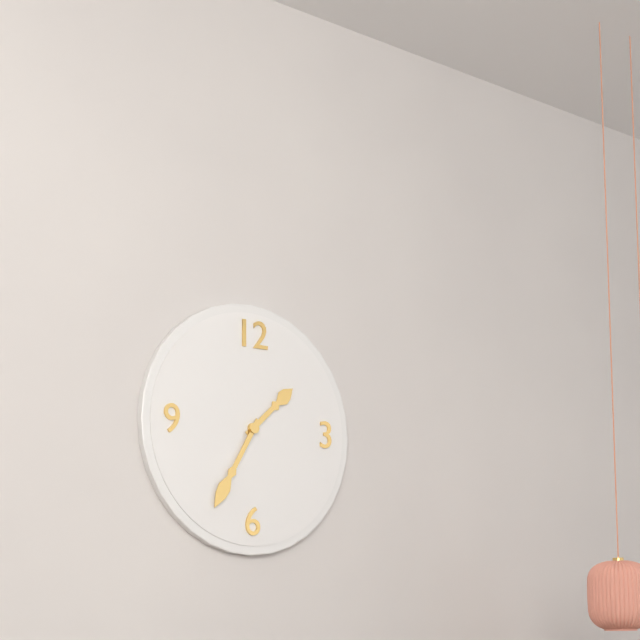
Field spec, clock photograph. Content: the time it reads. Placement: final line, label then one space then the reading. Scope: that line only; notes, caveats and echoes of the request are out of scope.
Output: 1:35
